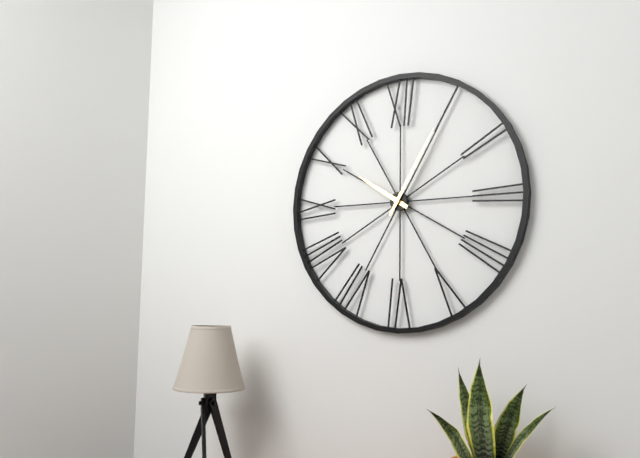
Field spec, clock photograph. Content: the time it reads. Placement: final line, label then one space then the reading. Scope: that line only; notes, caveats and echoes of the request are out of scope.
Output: 10:05
